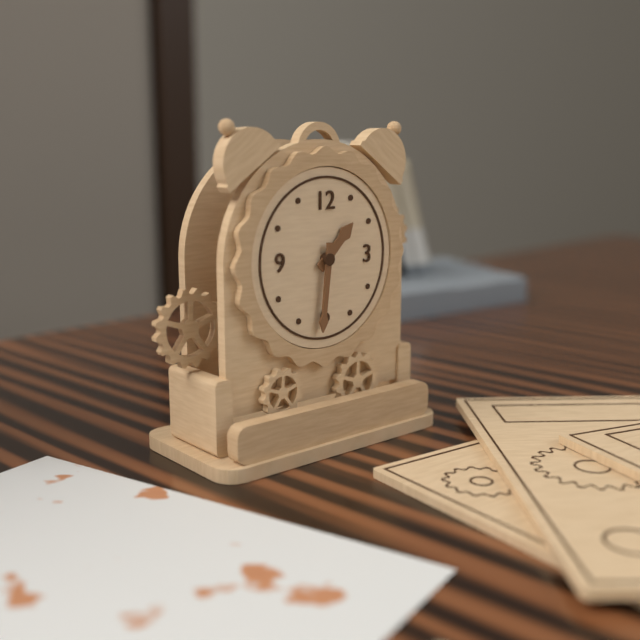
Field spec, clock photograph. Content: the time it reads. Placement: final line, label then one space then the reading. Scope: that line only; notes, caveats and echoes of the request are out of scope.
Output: 1:31
